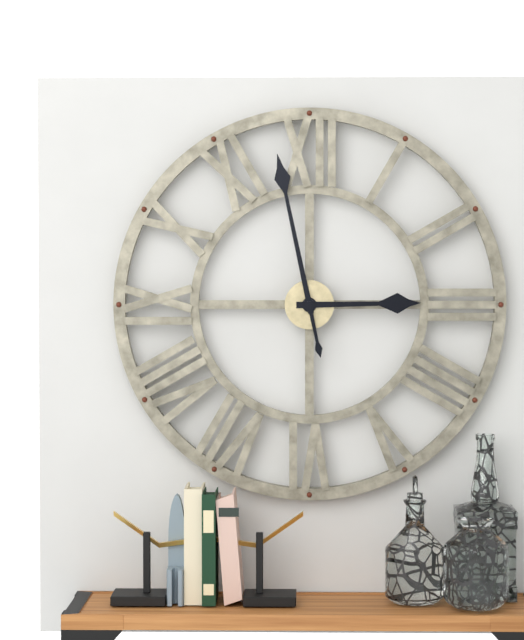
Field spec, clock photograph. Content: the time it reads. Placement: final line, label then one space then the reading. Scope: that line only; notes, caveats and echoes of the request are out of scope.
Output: 2:58
